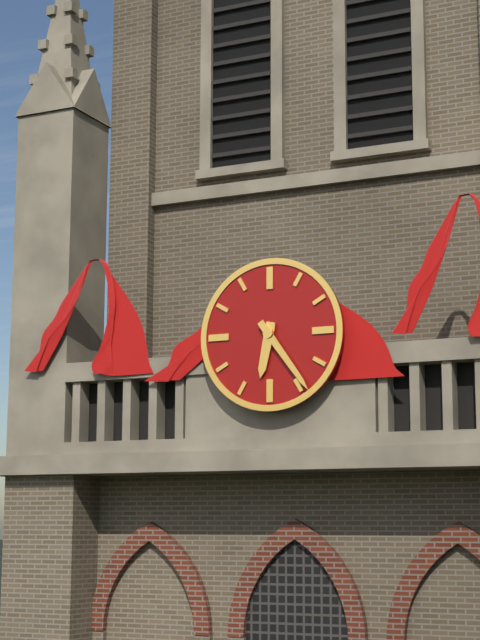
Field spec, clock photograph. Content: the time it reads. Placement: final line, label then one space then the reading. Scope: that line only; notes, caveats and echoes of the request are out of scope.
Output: 6:24
